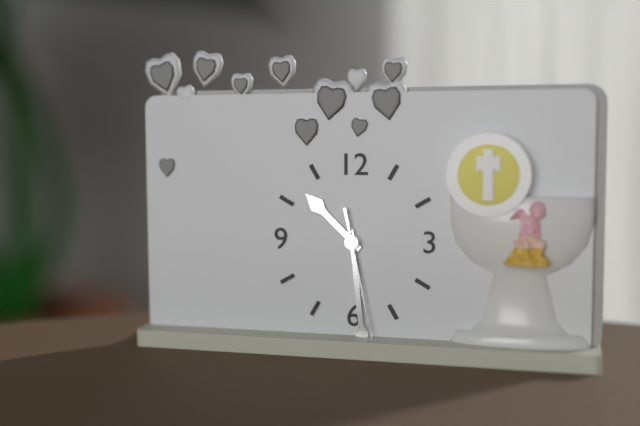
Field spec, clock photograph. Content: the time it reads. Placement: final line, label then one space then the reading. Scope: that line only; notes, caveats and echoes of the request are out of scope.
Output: 10:29:28
